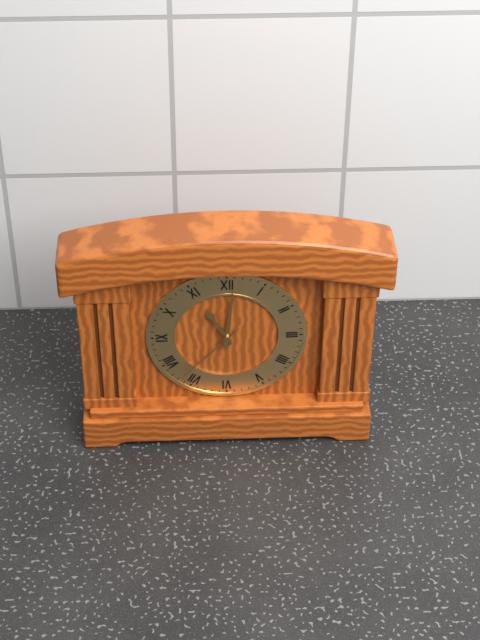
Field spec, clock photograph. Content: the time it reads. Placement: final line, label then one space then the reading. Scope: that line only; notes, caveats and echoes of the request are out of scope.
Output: 11:01:37
